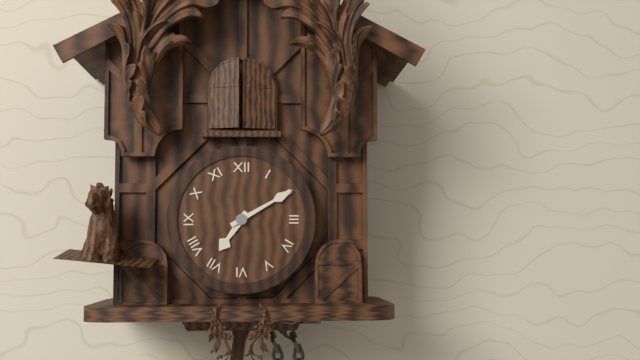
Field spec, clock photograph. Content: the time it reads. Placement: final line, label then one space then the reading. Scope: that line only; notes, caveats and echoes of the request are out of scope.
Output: 7:10
